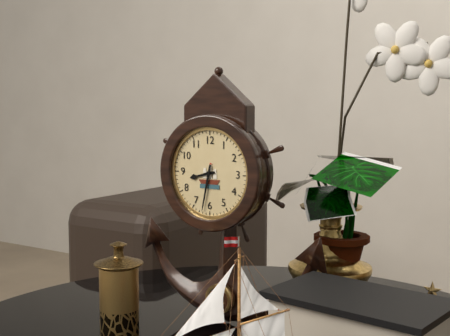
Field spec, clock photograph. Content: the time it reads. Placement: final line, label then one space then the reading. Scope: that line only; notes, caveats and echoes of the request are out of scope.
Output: 8:32
